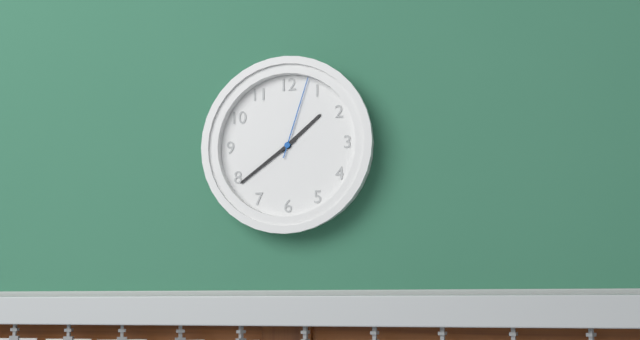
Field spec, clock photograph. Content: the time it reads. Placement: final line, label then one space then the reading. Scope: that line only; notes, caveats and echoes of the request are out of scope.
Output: 1:39:03
